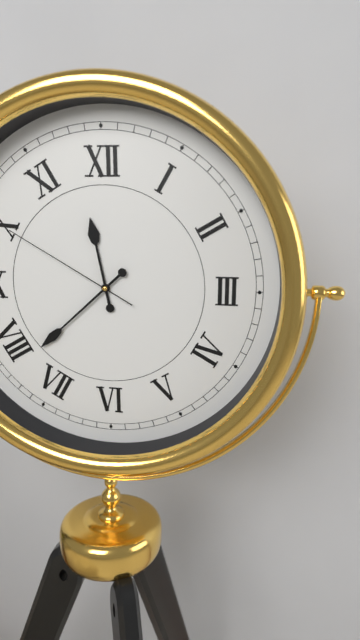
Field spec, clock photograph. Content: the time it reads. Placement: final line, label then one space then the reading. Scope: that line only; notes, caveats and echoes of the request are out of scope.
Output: 11:38:50
